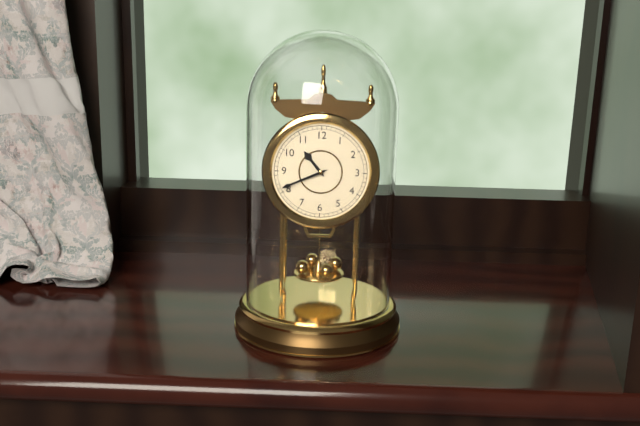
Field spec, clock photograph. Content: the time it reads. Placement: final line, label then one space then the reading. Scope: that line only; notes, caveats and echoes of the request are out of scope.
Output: 10:41
